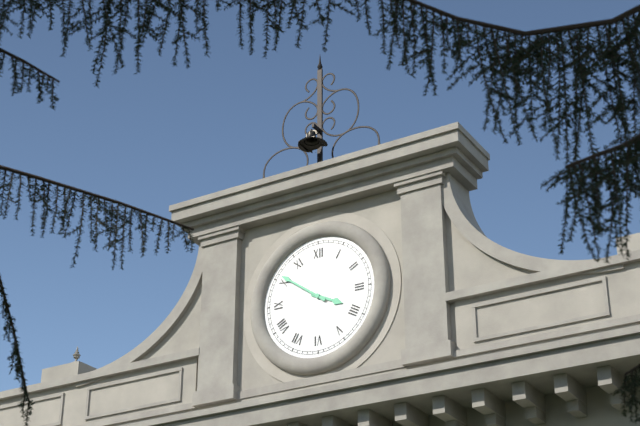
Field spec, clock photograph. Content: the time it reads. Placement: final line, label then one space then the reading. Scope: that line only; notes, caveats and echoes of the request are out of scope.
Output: 3:51
